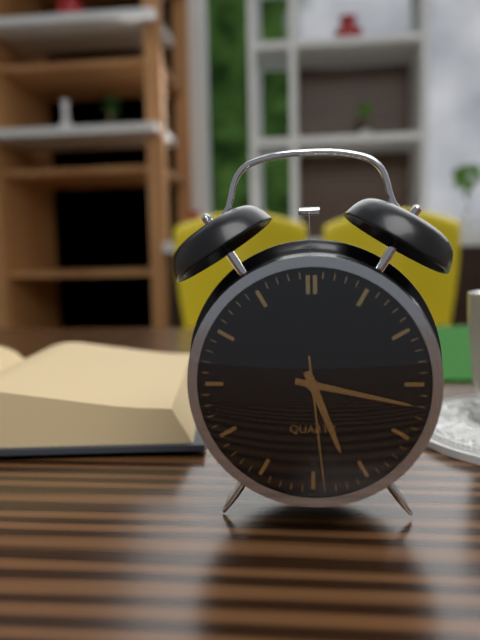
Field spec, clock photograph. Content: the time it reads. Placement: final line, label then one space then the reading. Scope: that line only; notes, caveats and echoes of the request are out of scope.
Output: 5:17:29
